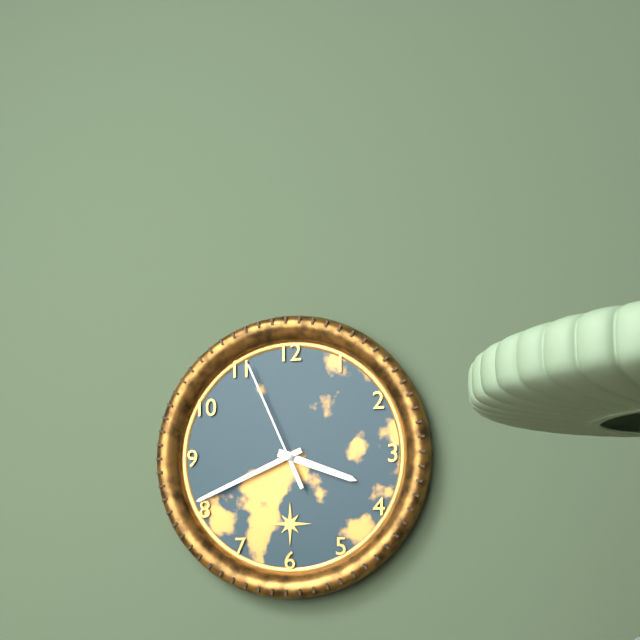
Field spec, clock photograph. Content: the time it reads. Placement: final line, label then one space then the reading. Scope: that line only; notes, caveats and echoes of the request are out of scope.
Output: 3:41:56
